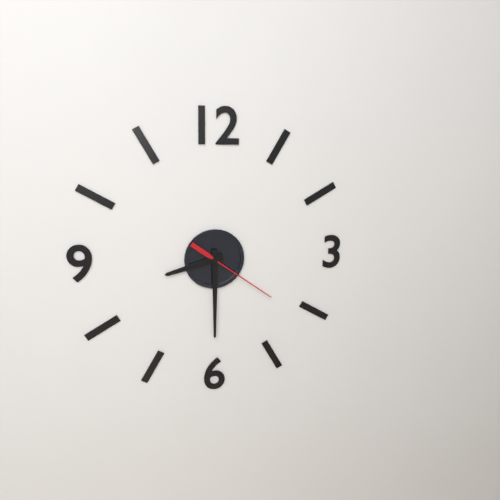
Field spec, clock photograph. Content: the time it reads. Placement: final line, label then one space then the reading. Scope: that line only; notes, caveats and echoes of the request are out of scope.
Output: 8:30:21
